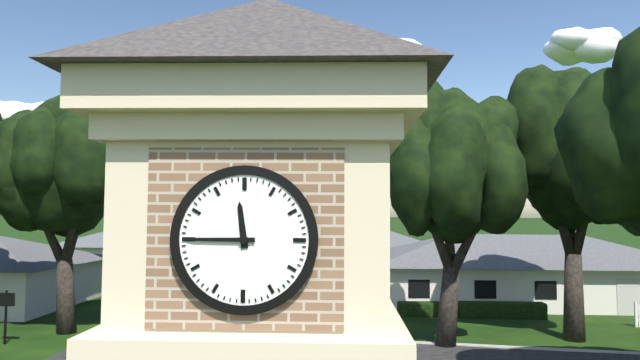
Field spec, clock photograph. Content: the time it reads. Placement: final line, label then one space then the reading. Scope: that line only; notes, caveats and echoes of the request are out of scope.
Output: 11:45
